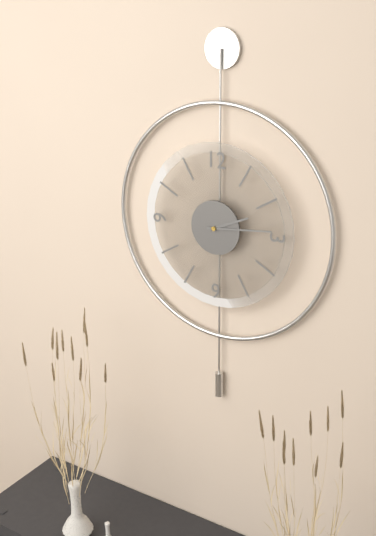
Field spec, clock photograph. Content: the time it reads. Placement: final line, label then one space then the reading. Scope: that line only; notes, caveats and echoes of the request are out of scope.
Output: 2:14
